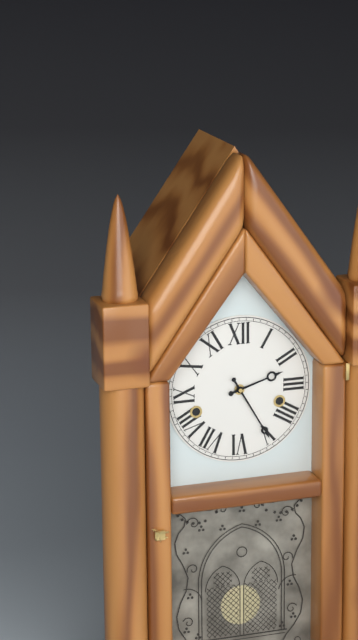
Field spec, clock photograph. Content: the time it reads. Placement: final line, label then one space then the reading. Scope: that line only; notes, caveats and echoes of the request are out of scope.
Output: 2:25
